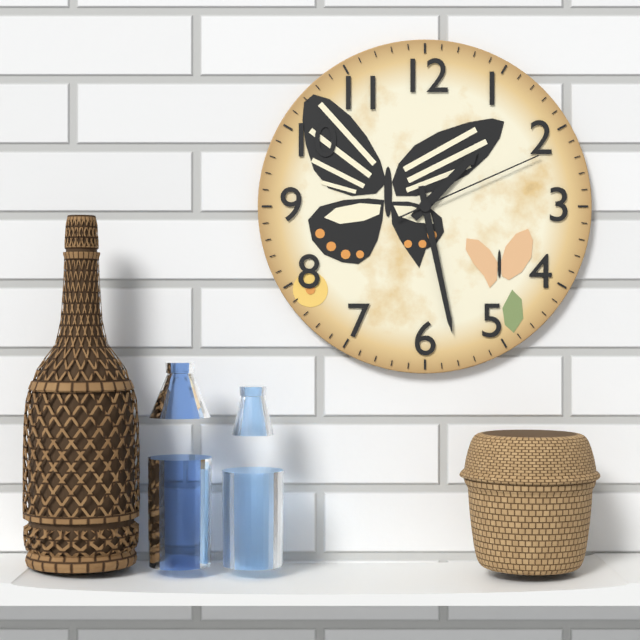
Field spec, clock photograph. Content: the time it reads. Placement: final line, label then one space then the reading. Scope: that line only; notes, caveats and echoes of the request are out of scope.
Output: 1:28:11
